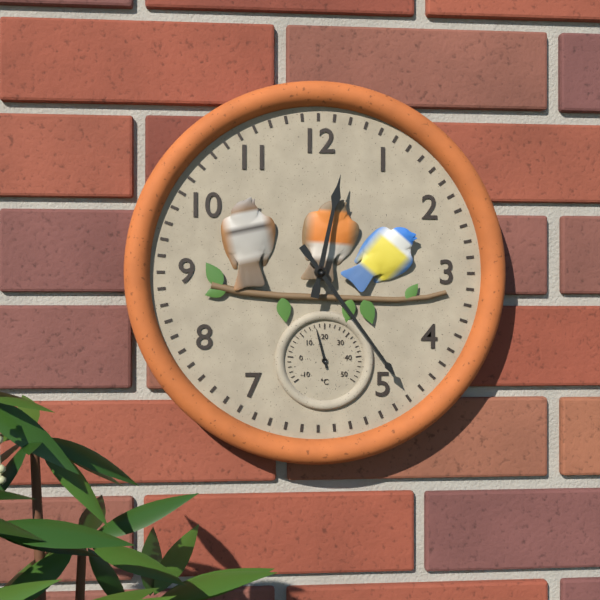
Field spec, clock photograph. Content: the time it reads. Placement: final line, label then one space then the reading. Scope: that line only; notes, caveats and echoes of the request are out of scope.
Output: 12:24
